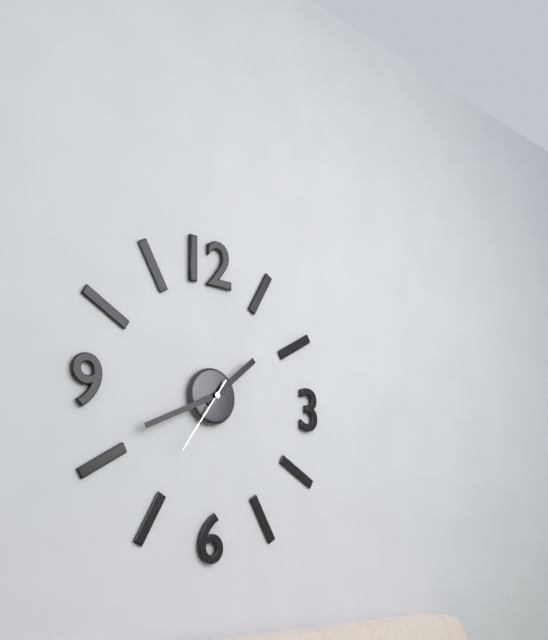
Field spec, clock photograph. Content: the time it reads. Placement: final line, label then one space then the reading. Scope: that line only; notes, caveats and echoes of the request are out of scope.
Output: 1:41:36
